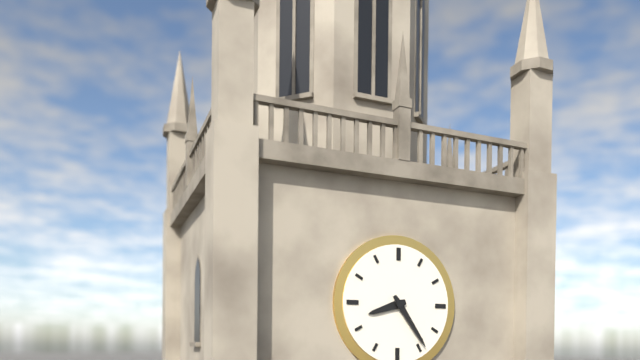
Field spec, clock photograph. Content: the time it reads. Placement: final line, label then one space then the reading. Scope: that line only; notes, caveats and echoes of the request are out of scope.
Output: 8:24
